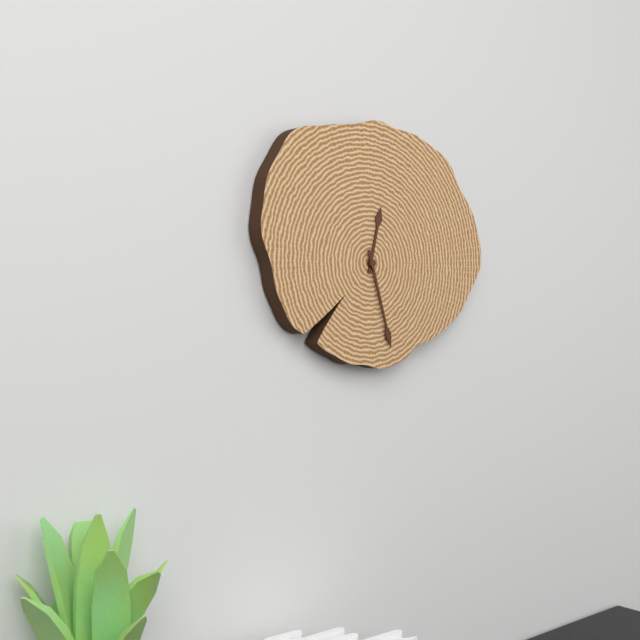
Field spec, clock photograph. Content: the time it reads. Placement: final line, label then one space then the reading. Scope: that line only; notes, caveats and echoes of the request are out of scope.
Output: 12:27
